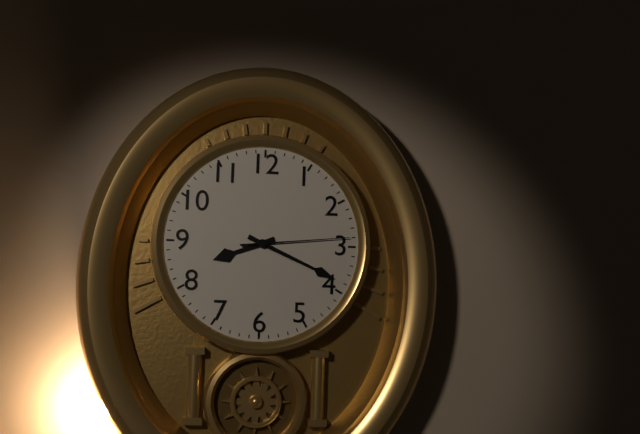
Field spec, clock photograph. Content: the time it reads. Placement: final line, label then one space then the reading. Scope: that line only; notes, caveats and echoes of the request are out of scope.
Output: 8:19:14
